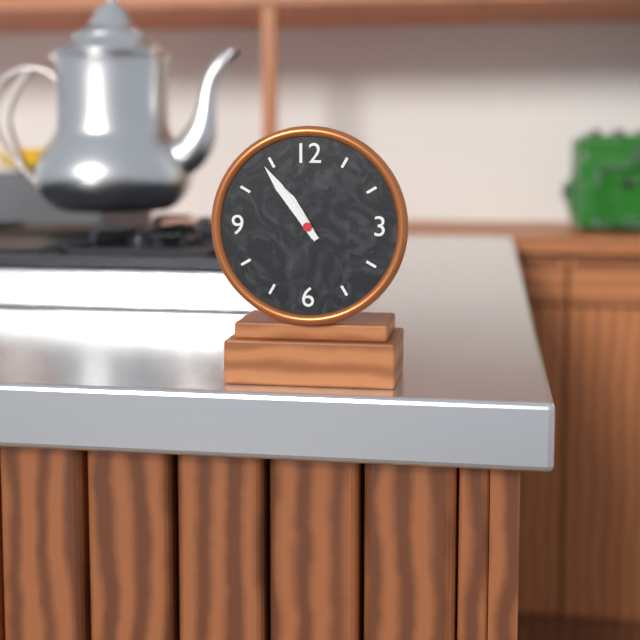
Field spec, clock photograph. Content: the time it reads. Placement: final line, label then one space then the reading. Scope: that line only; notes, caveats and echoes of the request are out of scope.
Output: 10:54
